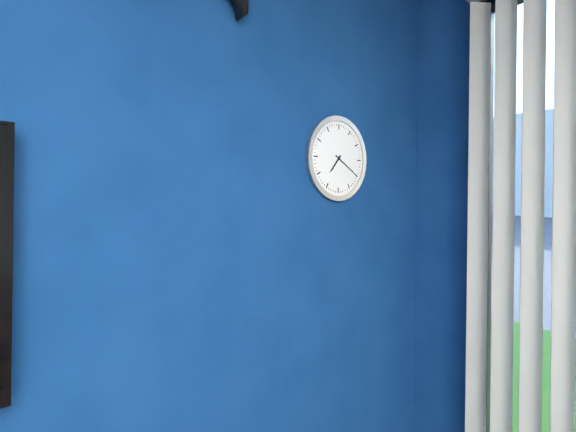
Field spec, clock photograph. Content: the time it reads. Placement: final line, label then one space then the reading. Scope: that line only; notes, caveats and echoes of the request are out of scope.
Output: 7:20
